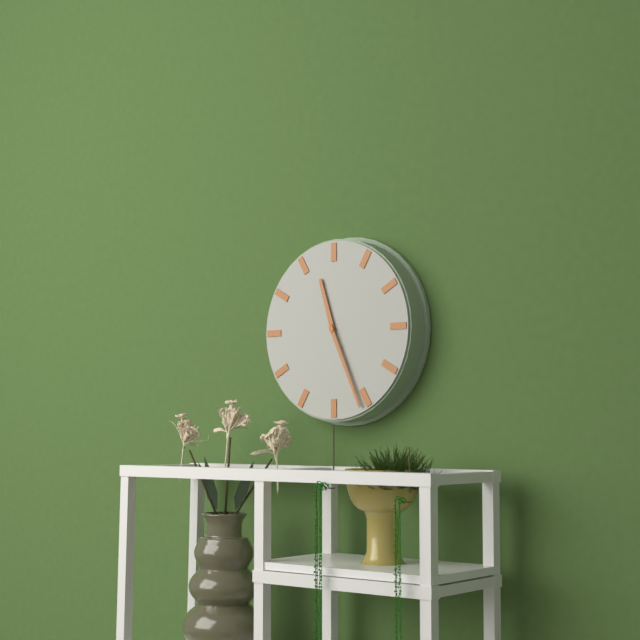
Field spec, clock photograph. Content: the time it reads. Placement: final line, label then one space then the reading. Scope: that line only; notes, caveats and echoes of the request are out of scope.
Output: 11:26
